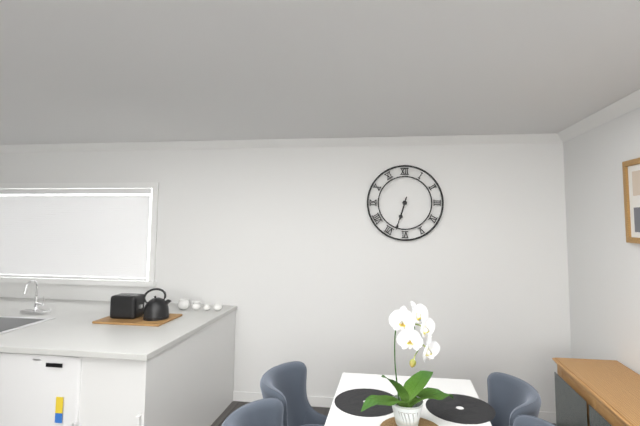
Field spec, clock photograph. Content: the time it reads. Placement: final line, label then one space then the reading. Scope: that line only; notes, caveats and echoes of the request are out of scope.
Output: 6:33
